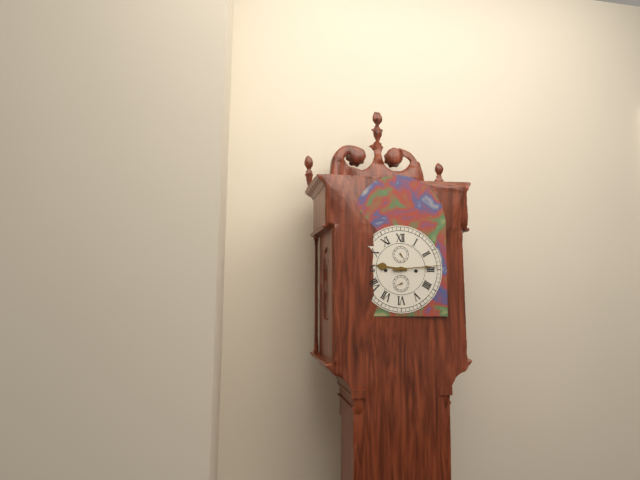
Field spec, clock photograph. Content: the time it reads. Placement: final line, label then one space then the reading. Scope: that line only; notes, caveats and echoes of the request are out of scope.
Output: 9:14
